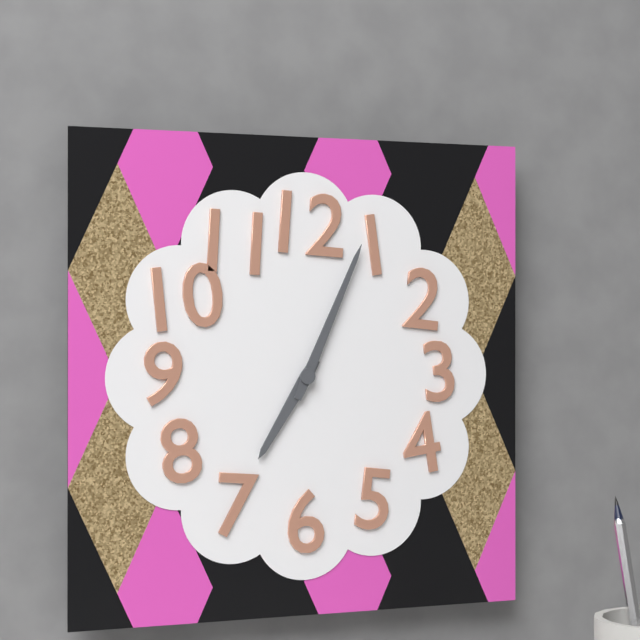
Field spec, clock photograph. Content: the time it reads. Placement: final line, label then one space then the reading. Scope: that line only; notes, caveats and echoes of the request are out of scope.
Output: 7:04
